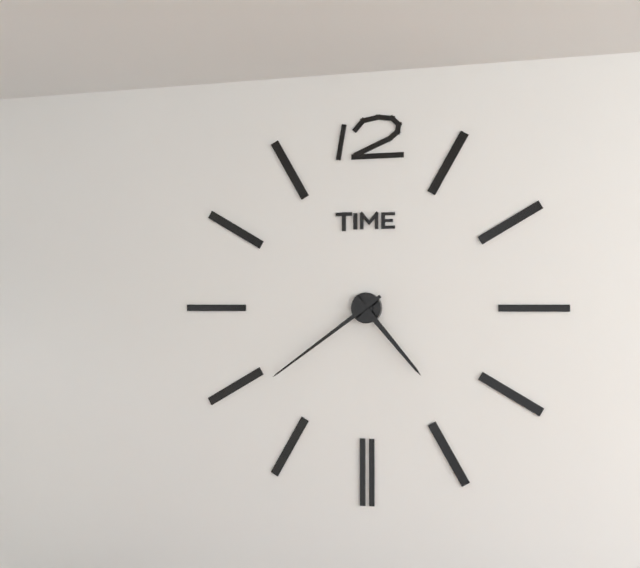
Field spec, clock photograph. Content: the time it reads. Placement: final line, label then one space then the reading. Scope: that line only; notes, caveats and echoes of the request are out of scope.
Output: 4:39
